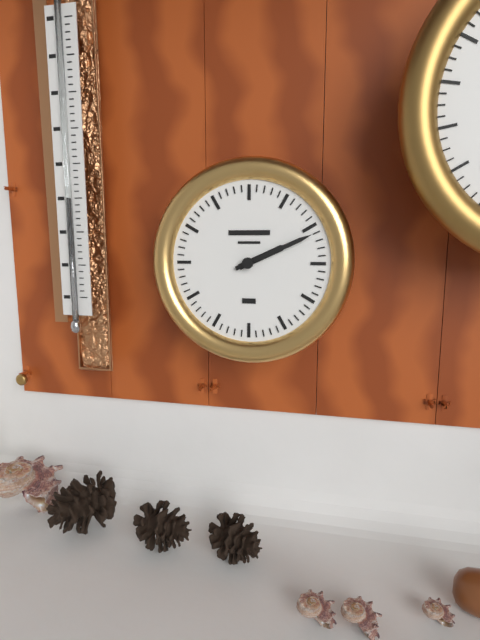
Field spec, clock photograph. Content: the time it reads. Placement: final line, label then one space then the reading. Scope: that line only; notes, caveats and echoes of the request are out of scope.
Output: 2:11
